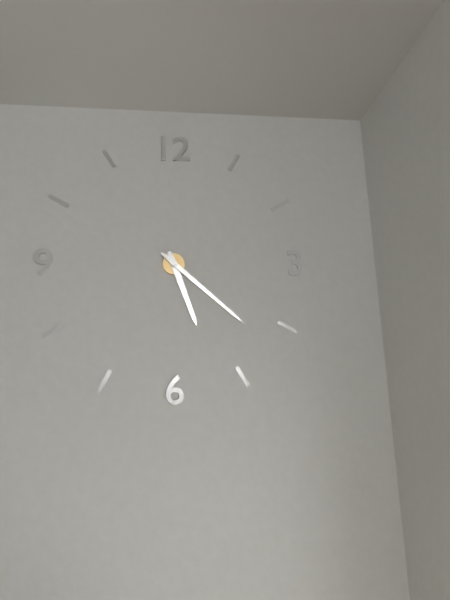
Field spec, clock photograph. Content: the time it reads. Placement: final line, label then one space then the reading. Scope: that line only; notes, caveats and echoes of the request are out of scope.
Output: 5:22
